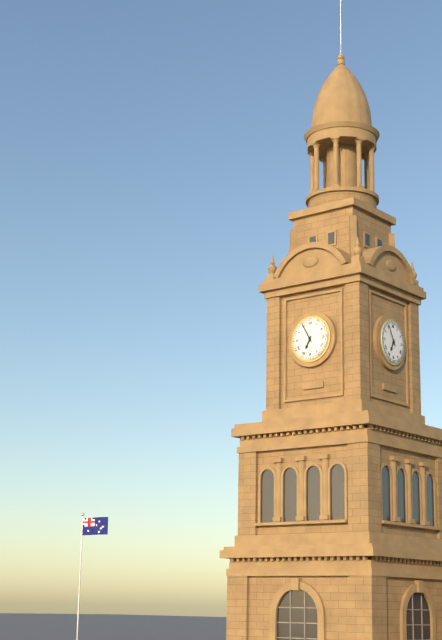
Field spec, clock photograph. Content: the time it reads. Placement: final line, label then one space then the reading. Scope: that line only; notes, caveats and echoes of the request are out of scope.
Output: 6:55
